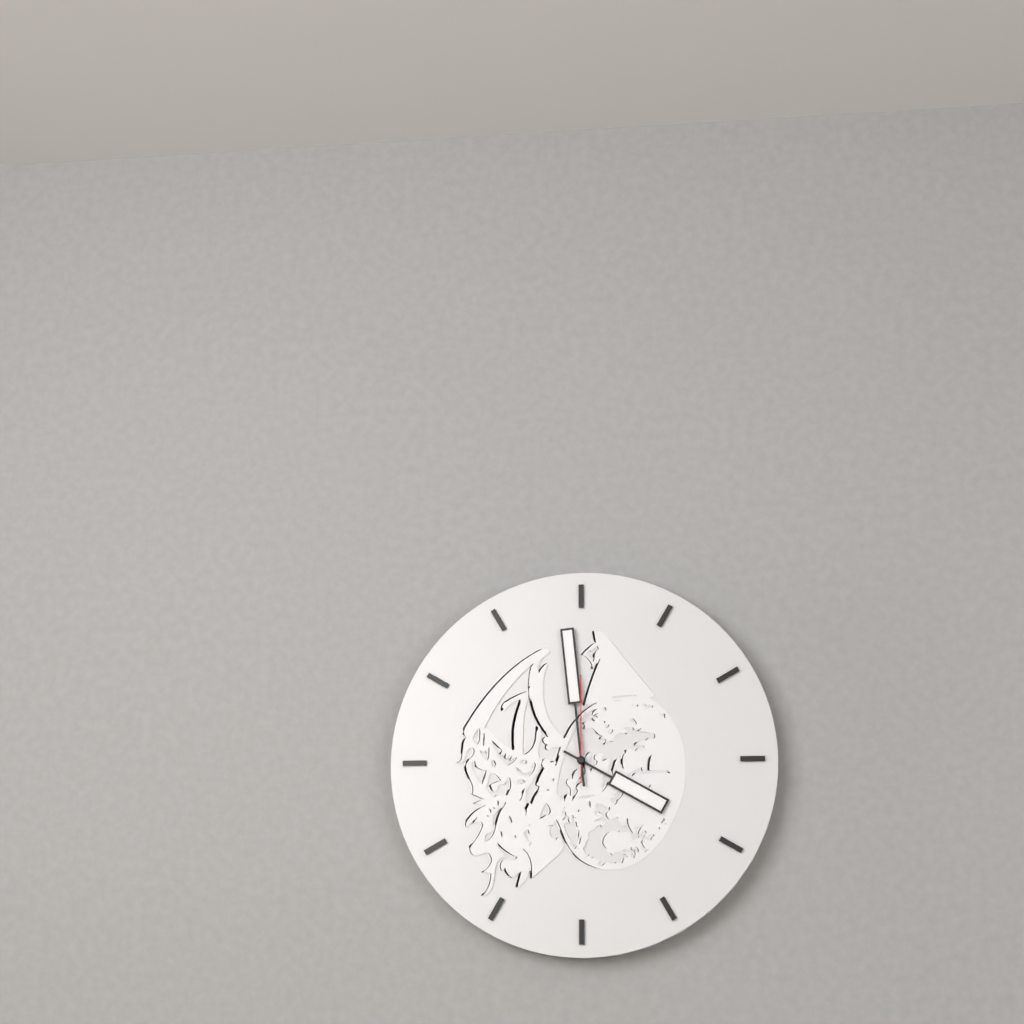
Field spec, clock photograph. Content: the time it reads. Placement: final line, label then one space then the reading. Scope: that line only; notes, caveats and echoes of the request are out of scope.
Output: 3:59:00
